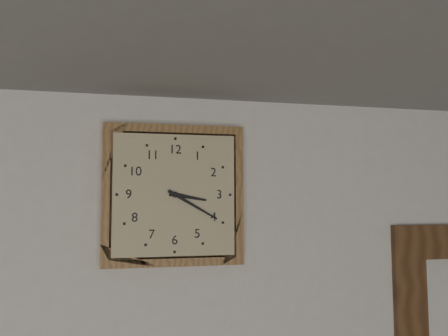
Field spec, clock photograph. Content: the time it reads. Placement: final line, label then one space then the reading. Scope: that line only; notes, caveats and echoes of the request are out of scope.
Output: 3:20
